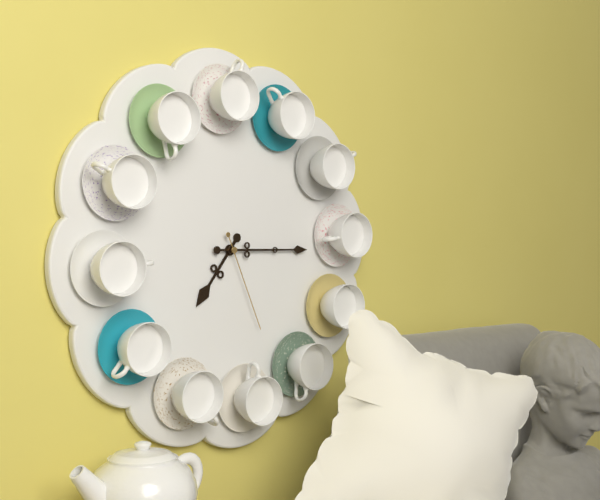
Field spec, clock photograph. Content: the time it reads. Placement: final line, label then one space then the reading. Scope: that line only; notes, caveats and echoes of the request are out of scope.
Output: 7:15:26
